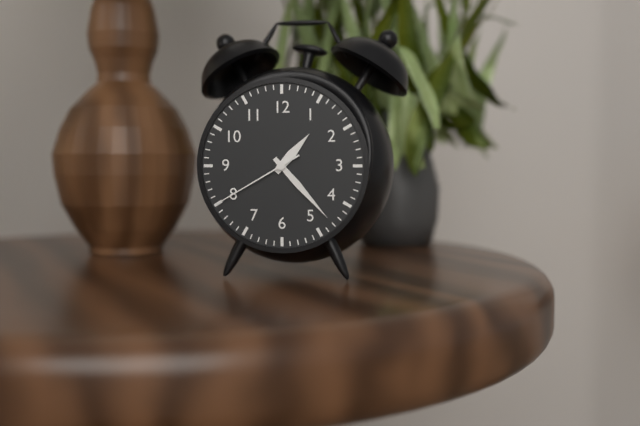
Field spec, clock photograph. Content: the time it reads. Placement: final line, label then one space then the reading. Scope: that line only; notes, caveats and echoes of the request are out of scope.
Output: 1:23:40
